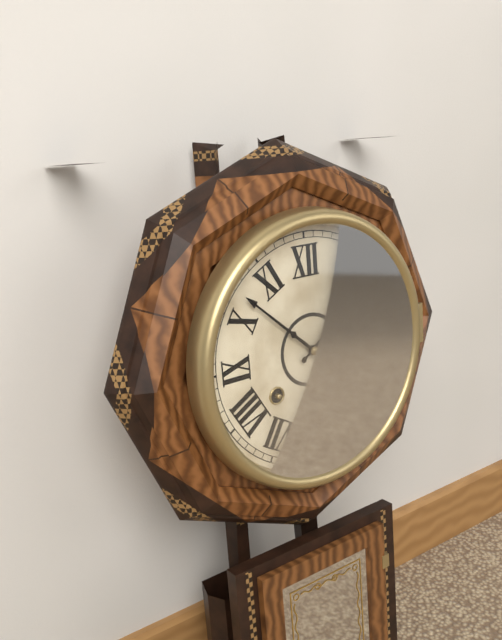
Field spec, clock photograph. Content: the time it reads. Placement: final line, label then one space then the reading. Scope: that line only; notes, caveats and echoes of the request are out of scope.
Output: 1:52
